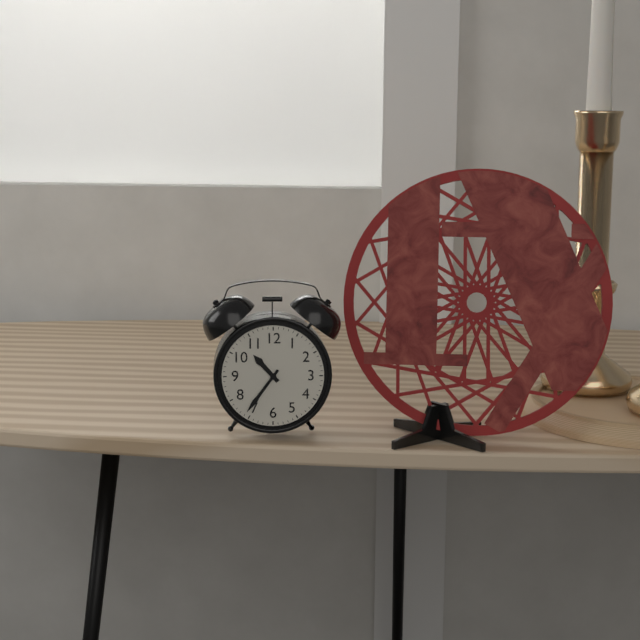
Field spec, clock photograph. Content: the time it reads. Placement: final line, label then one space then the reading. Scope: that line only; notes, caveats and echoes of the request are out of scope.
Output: 10:36
